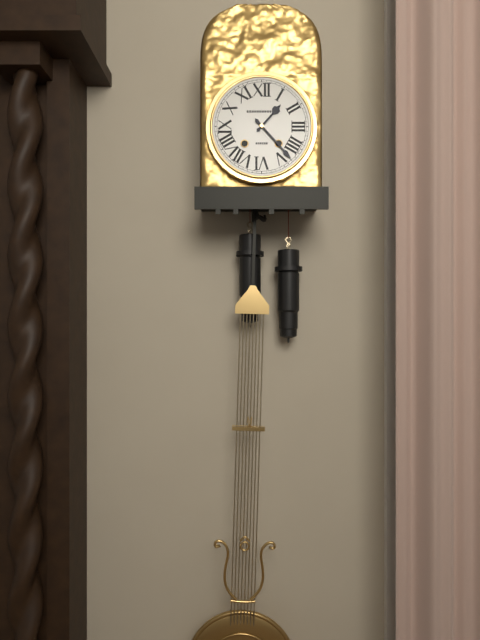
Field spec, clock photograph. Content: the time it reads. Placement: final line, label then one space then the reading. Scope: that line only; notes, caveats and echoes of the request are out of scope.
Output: 1:23
